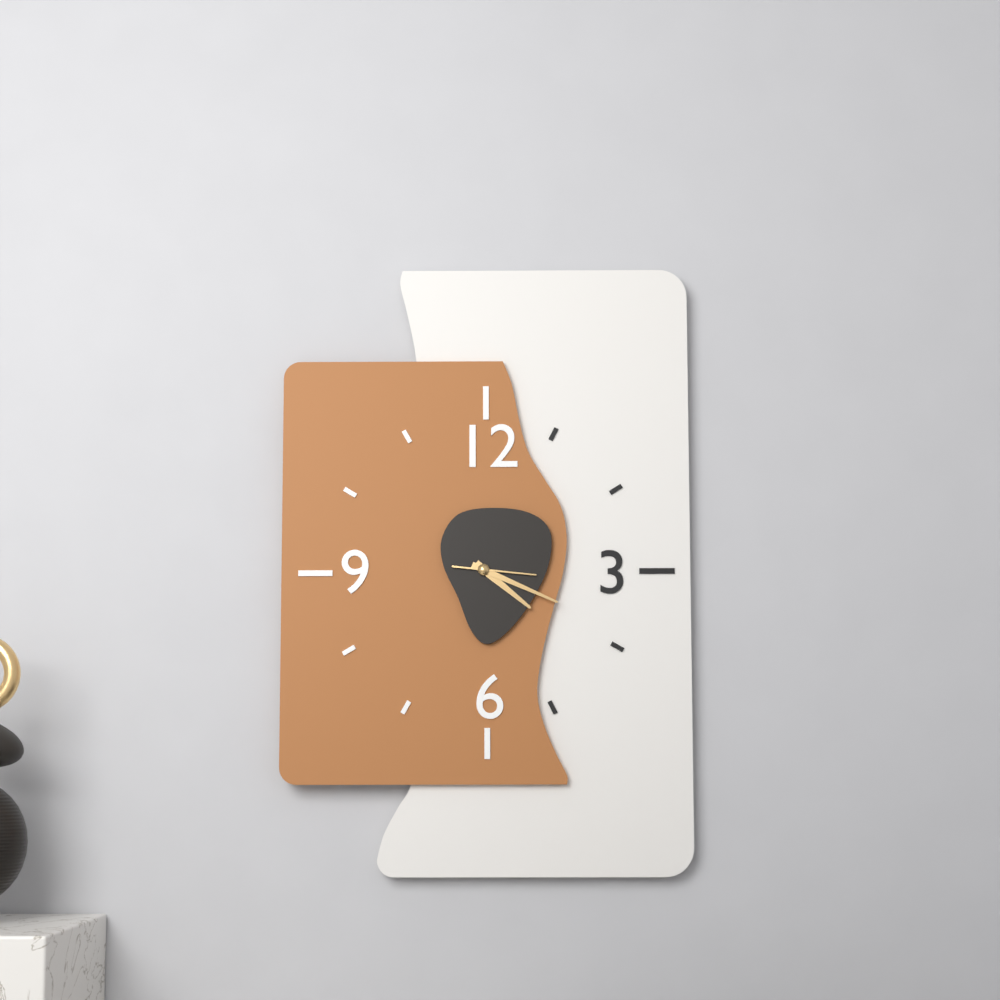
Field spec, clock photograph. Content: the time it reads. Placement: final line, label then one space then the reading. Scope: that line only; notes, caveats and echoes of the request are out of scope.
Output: 4:19:16
